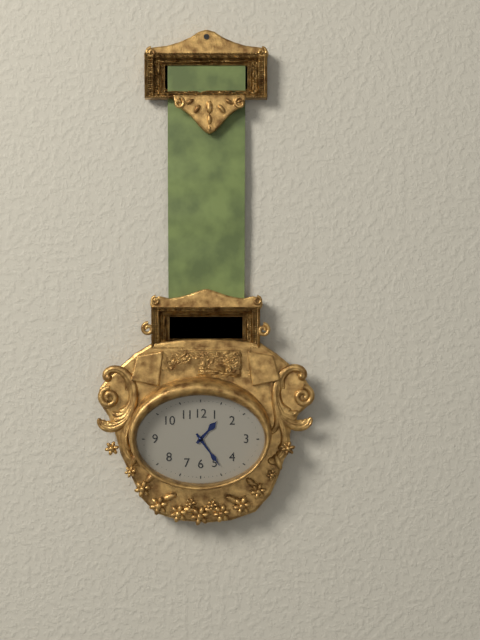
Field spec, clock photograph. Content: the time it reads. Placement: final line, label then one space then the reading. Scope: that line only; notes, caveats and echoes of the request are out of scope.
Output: 1:24
